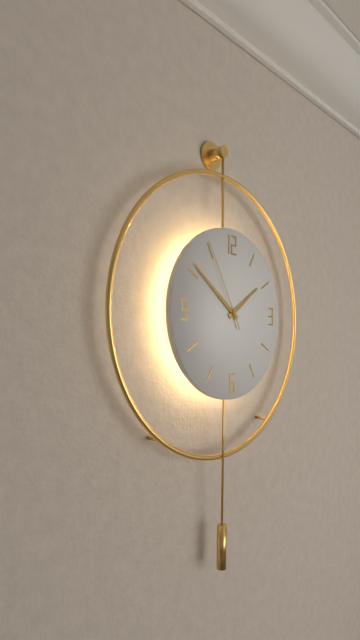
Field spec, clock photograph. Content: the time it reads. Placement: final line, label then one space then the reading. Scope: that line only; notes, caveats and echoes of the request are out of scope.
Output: 1:51:55
